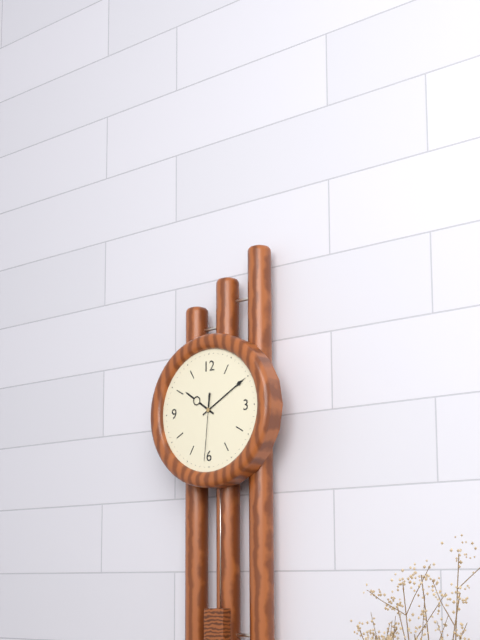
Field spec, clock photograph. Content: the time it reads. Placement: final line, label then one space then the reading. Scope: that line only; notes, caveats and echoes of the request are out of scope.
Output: 10:10:31
